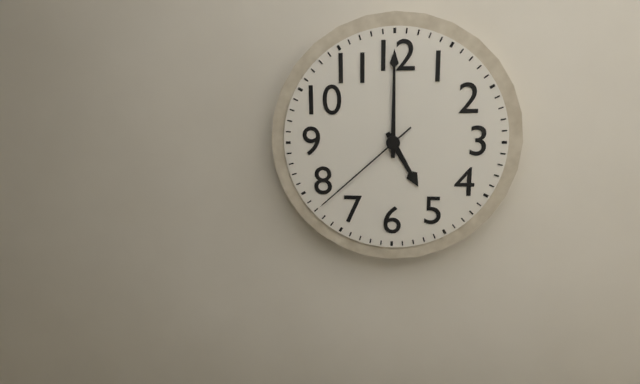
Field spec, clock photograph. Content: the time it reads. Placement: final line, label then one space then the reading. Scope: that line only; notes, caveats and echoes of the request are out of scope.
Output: 5:00:38
